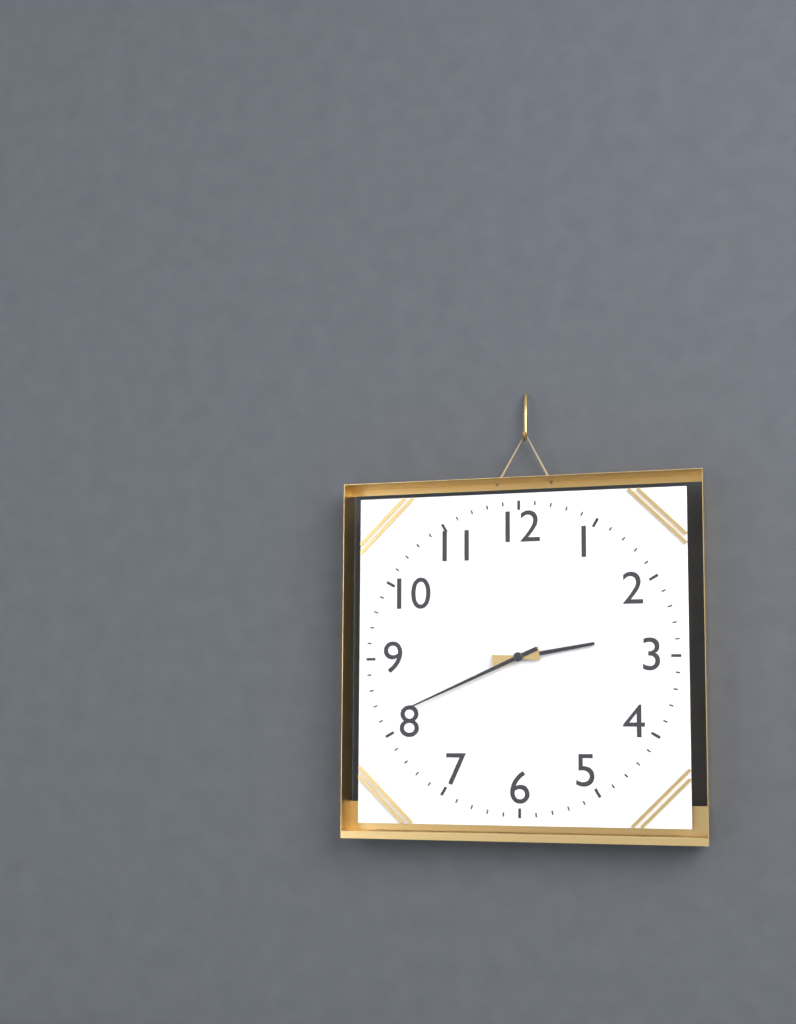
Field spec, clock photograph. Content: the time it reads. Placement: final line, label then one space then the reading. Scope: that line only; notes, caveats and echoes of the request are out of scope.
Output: 2:41
